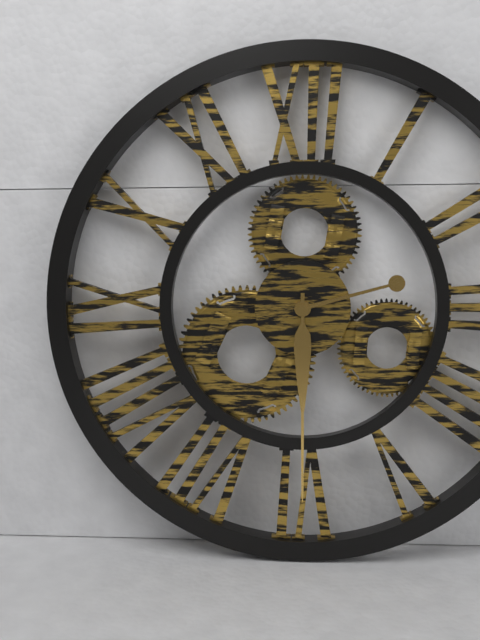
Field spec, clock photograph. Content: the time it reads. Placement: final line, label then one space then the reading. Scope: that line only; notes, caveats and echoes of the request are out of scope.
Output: 2:30
